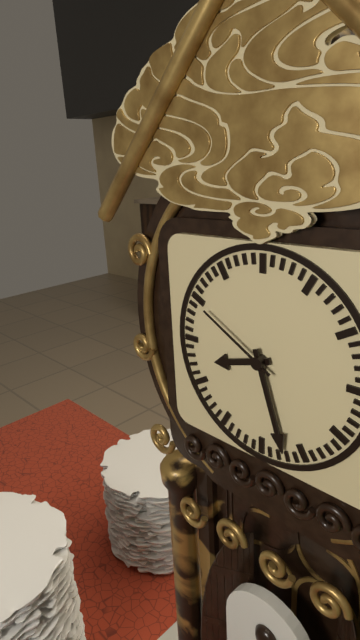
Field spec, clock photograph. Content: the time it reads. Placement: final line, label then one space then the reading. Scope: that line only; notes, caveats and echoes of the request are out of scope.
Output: 8:27:50
